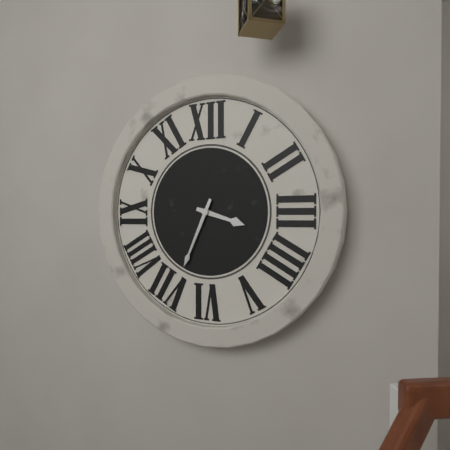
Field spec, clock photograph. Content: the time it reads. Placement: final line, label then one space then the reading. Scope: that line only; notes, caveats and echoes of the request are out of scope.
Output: 3:34
